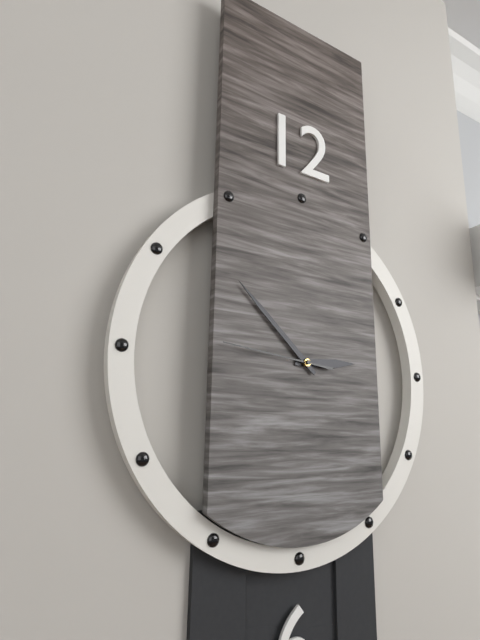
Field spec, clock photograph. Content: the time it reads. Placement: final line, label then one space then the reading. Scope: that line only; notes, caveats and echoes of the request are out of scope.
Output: 2:52:46
